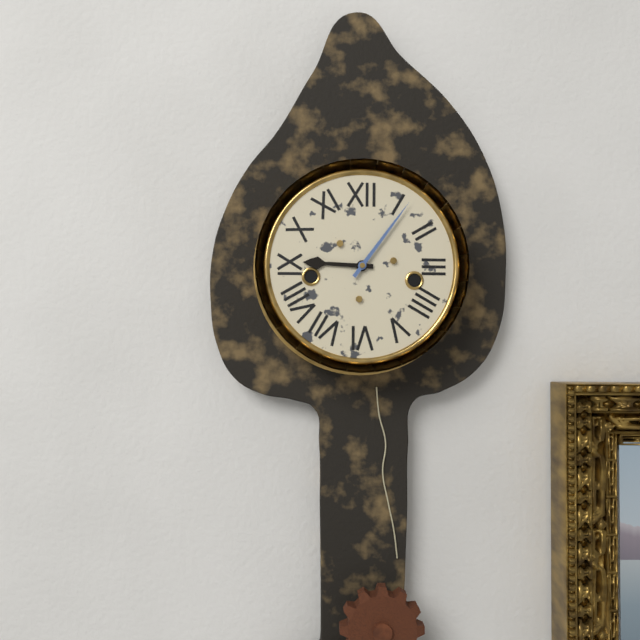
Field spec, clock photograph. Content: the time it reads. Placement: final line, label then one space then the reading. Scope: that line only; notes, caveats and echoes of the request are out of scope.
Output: 9:06
